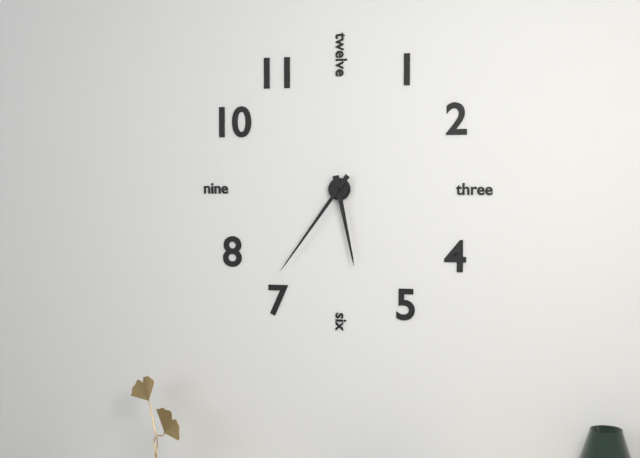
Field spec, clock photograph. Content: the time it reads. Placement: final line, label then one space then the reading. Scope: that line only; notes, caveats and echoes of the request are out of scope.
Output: 5:36
